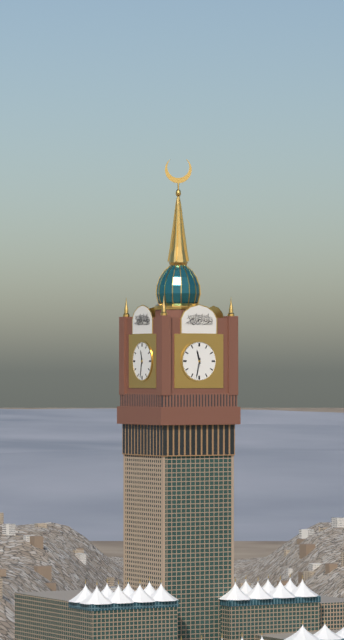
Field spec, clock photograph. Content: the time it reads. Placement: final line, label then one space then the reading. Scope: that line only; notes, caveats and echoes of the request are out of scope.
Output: 11:32
